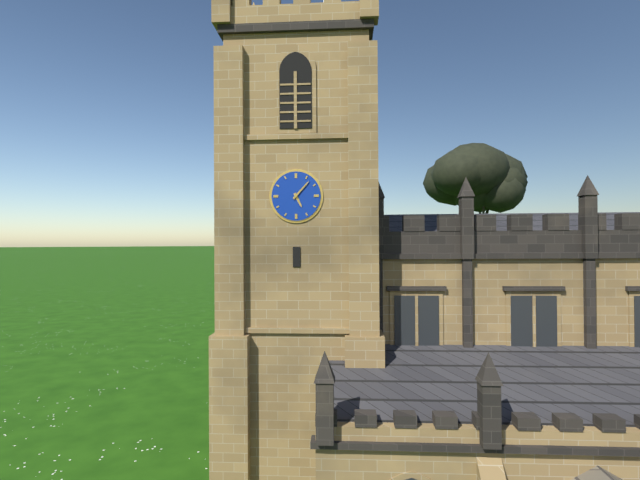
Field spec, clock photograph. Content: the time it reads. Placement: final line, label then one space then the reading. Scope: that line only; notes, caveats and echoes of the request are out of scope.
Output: 5:07
